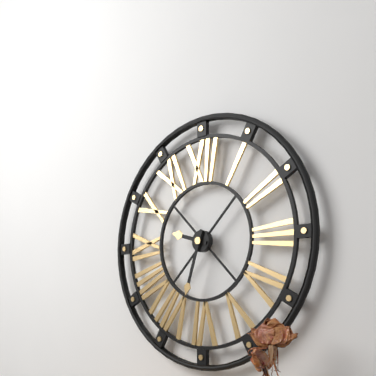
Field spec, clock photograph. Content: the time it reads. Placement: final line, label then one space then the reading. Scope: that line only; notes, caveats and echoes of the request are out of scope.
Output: 9:33
